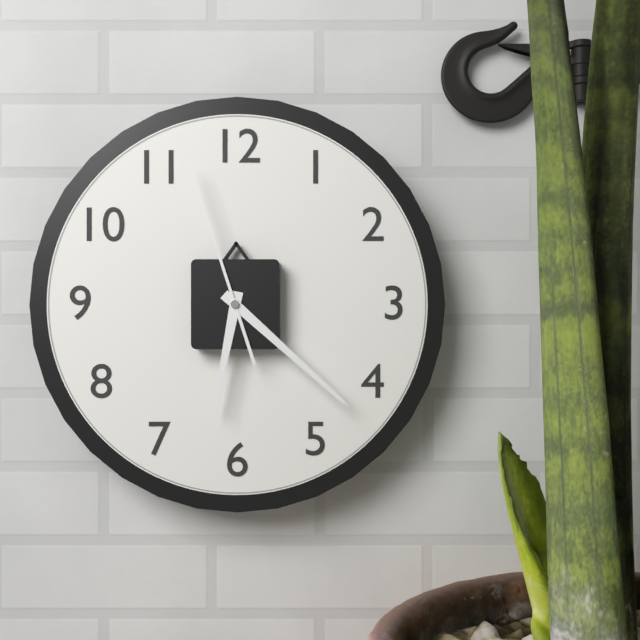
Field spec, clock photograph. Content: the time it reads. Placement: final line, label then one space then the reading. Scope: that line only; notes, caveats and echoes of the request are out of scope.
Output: 6:22:57
